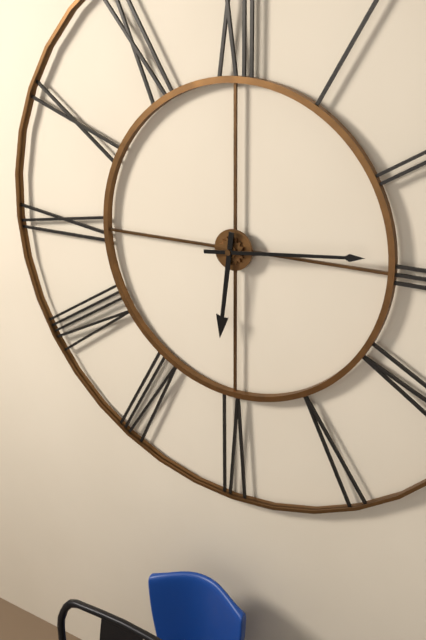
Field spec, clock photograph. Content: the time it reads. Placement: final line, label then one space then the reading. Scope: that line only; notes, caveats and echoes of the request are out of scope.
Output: 6:14
